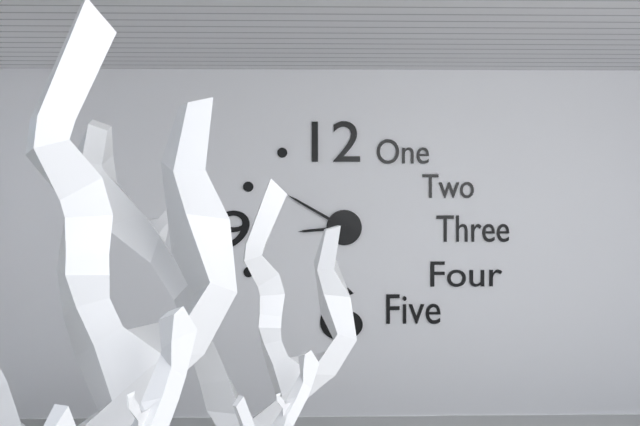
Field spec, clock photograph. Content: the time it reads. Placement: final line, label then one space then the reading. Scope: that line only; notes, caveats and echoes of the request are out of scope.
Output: 8:50
